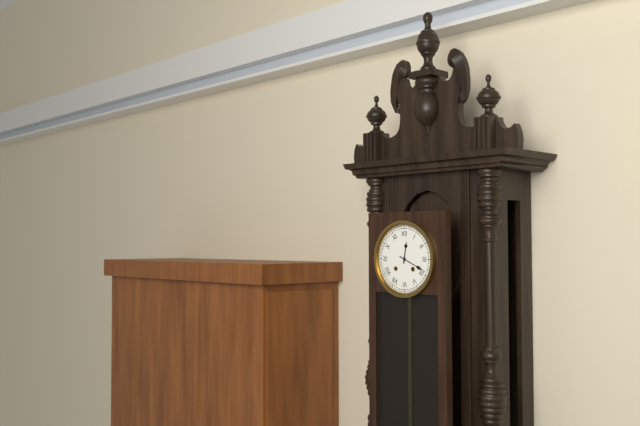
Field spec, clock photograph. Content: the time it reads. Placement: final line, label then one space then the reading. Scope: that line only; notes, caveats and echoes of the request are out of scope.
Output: 12:19
